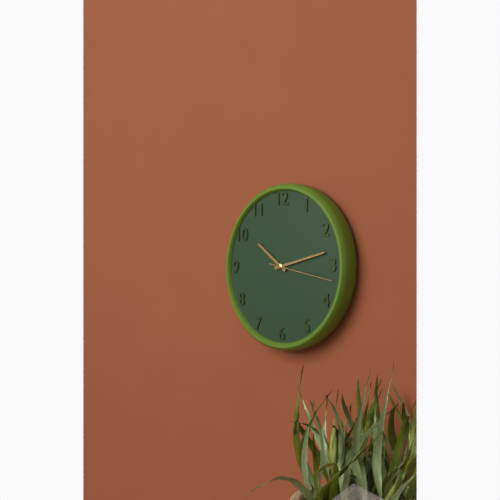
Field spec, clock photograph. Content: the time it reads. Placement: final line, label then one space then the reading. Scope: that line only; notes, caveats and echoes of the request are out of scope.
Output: 10:13:17
